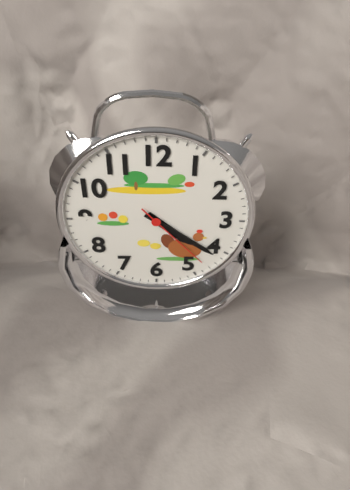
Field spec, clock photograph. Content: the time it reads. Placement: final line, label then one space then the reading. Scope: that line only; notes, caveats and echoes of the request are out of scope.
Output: 4:21:23
